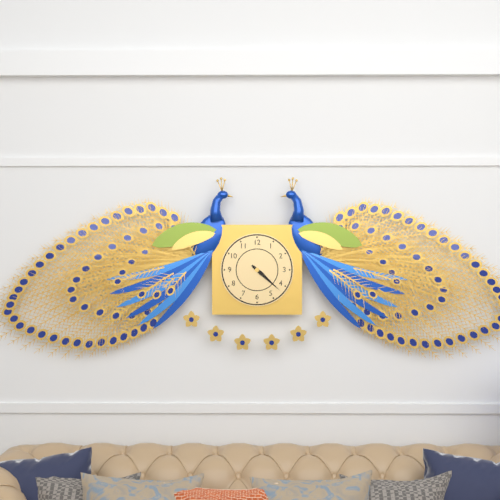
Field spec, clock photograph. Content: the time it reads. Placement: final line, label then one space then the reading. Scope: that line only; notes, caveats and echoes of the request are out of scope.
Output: 4:22
